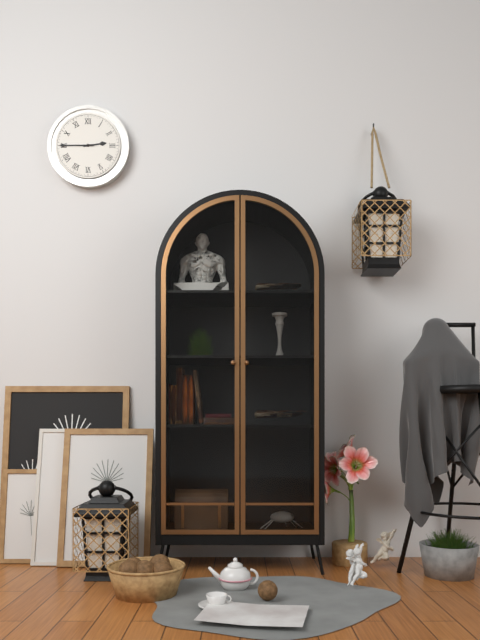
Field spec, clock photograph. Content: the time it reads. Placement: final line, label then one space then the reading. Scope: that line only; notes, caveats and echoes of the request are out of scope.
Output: 2:45
